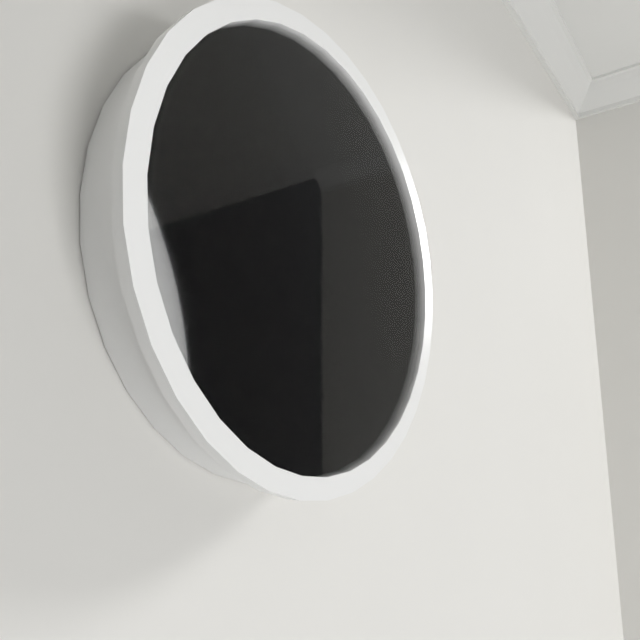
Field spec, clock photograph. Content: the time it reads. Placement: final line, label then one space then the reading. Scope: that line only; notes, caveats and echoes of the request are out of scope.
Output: 4:40
